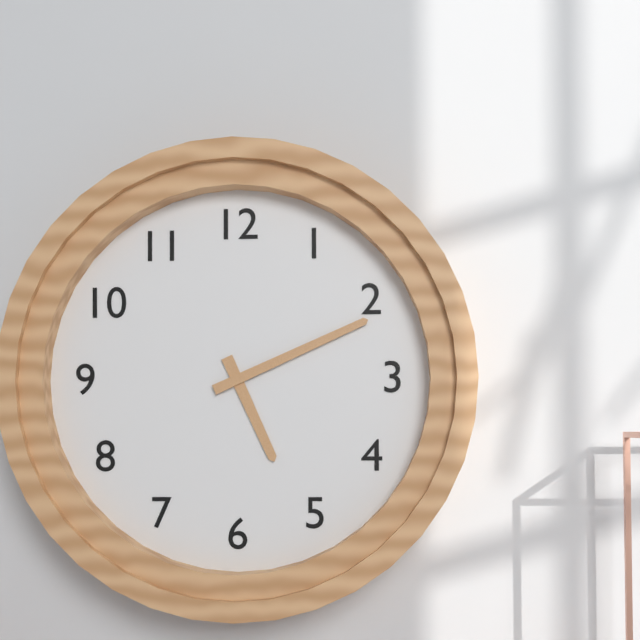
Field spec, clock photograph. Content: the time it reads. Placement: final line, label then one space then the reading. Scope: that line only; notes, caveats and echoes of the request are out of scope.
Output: 5:11
